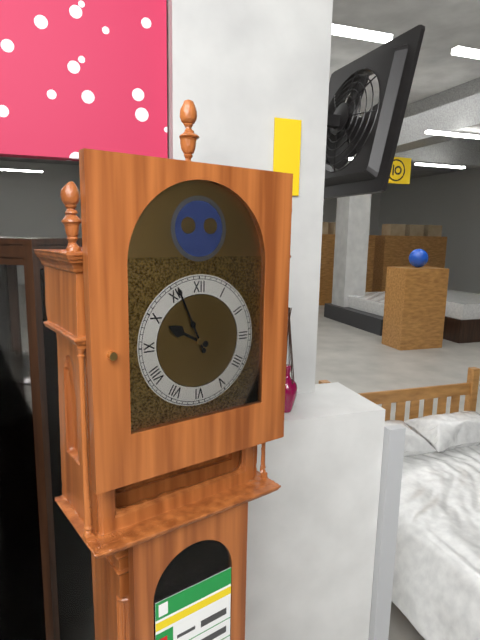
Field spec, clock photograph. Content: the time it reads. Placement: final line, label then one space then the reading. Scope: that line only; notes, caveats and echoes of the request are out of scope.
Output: 9:56
